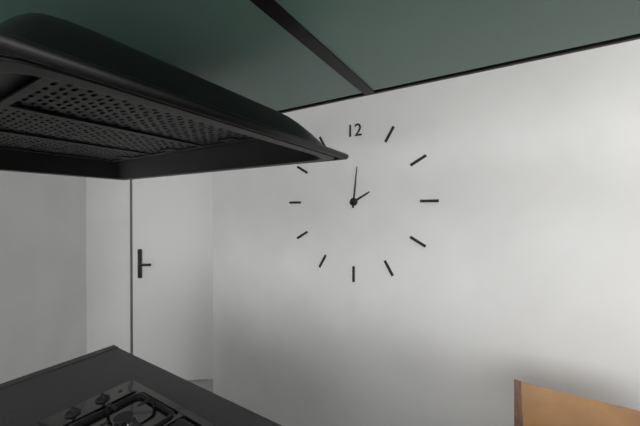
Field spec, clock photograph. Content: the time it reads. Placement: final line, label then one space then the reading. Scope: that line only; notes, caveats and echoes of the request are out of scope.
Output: 2:01
